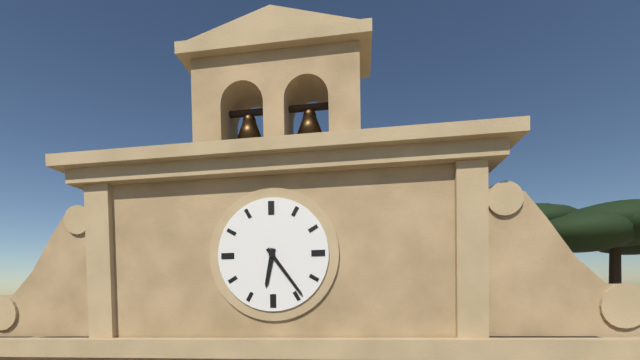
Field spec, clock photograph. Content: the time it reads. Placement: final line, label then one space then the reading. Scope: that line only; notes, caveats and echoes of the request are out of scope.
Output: 6:24
